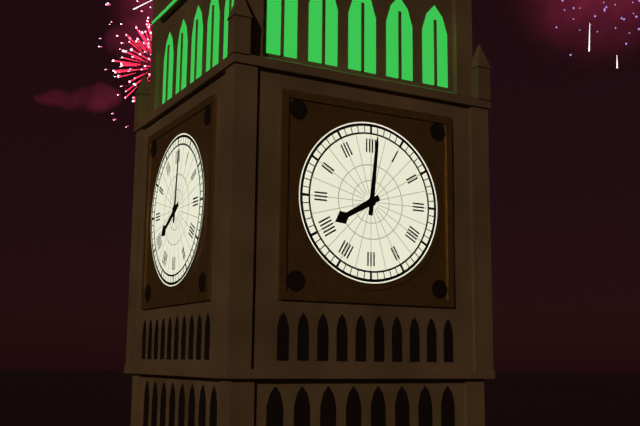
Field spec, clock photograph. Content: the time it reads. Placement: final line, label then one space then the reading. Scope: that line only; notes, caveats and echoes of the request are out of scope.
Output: 8:01
